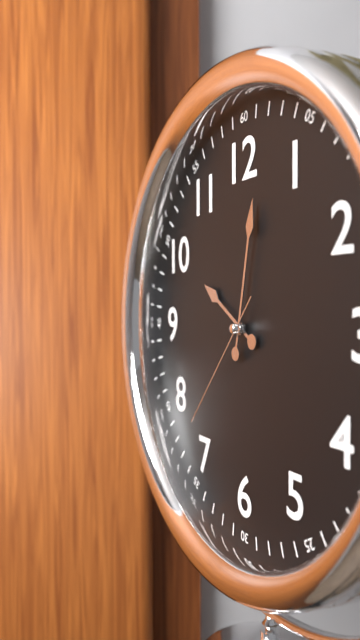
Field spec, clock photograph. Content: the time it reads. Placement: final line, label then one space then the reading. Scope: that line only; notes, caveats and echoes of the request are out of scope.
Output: 10:02:37
